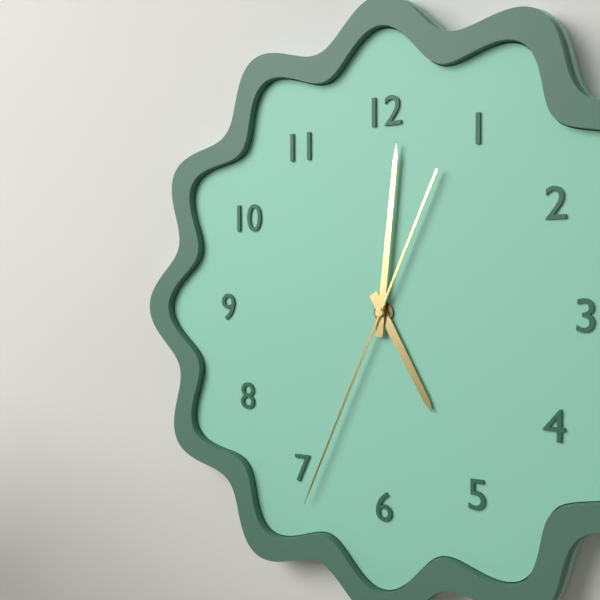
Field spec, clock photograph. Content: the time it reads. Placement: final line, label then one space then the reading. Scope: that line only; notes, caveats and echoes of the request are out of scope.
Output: 5:01:34
